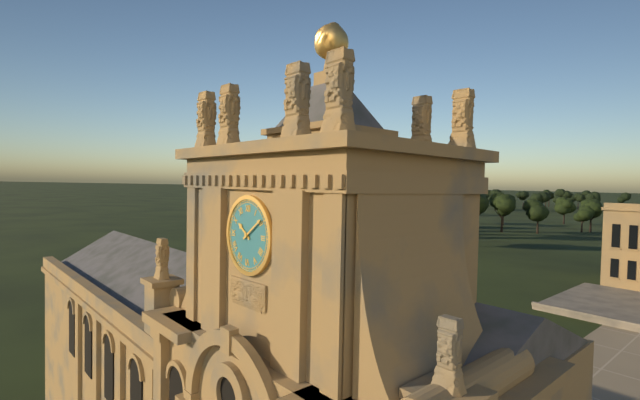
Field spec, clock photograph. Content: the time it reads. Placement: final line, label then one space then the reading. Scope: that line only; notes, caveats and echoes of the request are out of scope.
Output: 10:09
